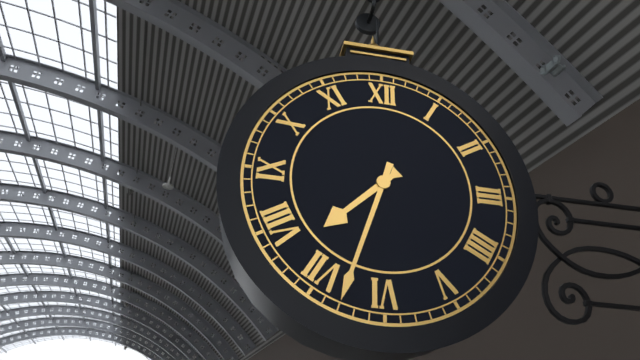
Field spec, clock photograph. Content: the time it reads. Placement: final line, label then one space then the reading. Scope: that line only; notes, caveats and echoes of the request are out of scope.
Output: 7:33
